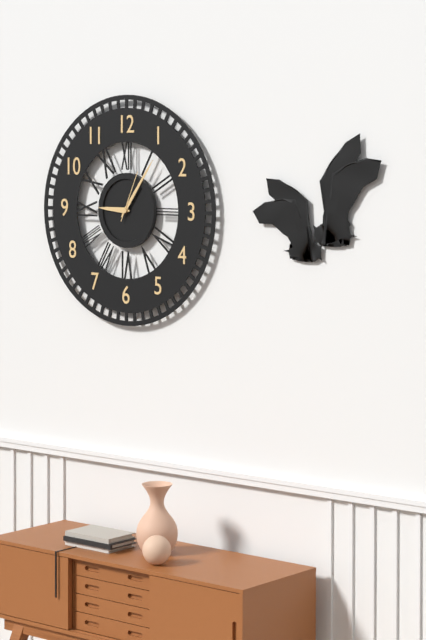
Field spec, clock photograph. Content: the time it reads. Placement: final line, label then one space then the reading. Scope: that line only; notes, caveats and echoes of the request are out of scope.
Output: 9:06:04
